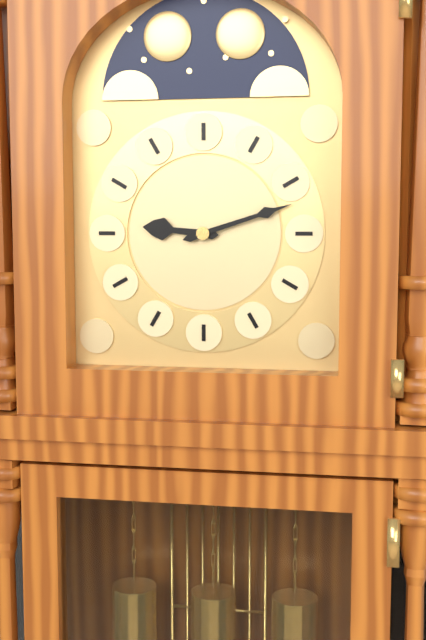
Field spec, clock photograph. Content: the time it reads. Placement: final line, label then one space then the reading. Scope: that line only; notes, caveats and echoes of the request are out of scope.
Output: 9:12
